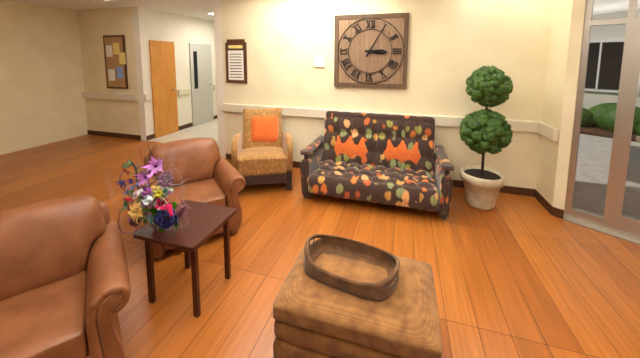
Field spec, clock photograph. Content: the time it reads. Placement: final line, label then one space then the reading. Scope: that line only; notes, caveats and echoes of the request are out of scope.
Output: 3:05
